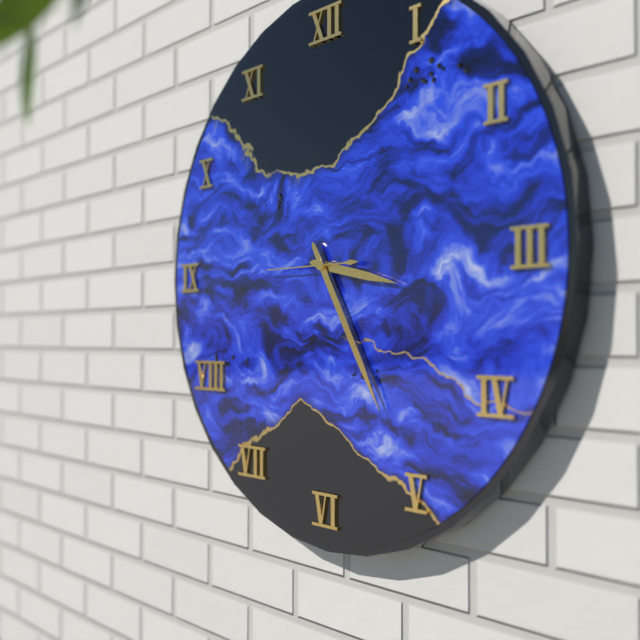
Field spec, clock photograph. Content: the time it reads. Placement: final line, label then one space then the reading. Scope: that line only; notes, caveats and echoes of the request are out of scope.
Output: 3:25:45
